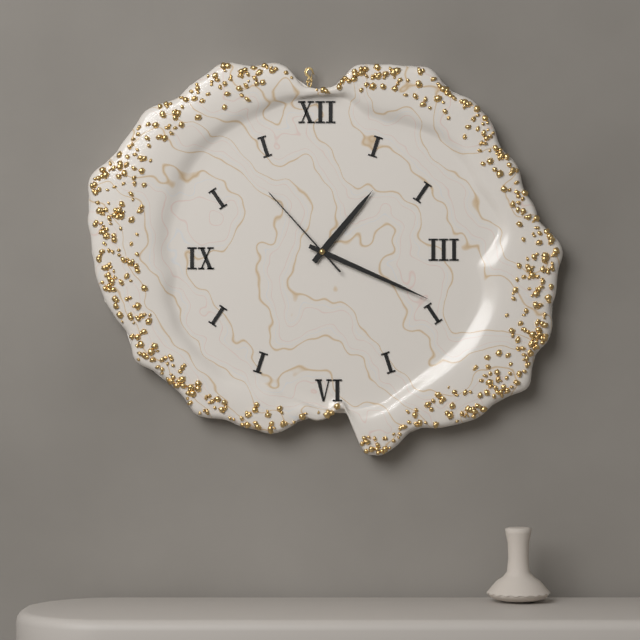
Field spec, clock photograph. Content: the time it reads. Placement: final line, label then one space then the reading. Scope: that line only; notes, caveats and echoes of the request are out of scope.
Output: 1:19:53
